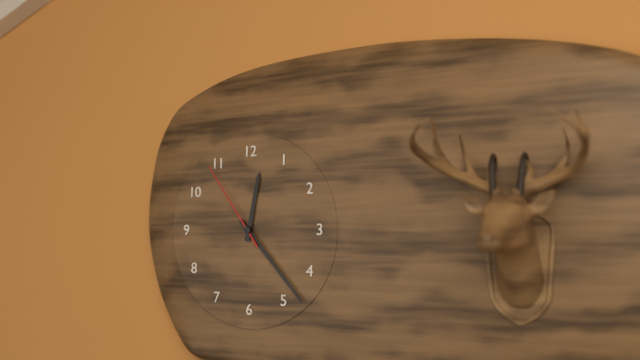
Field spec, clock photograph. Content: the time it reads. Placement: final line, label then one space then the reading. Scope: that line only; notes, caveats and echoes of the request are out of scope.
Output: 12:23:54
